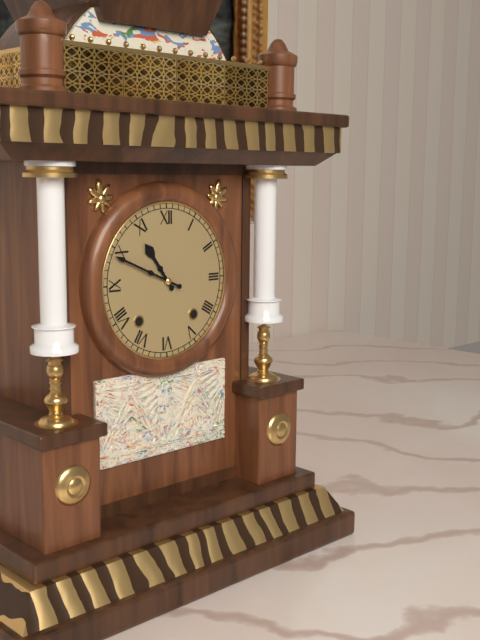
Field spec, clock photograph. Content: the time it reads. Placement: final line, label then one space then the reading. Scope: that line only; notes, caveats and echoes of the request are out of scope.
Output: 10:49
